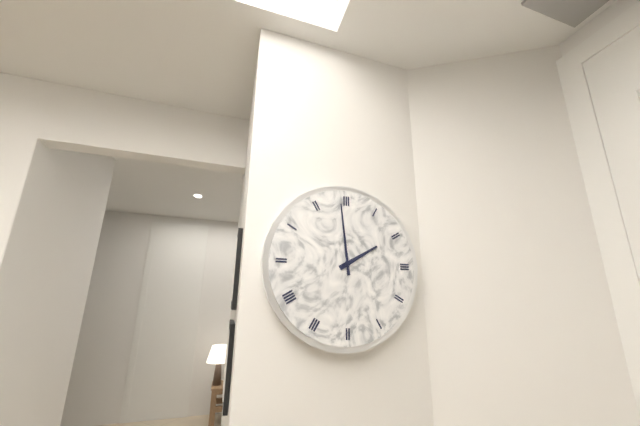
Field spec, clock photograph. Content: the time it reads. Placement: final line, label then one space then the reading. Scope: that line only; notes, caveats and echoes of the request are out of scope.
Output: 1:59
